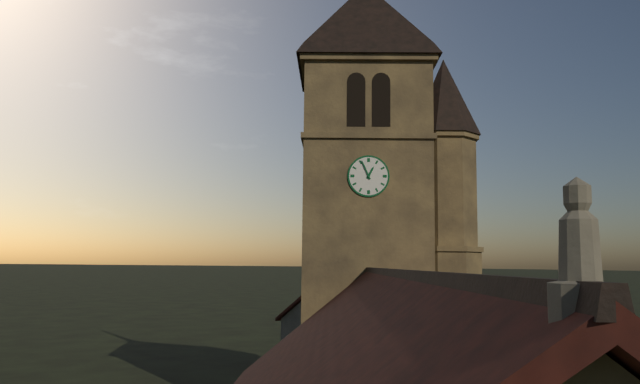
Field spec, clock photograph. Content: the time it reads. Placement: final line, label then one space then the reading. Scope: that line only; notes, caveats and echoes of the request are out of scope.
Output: 12:56
